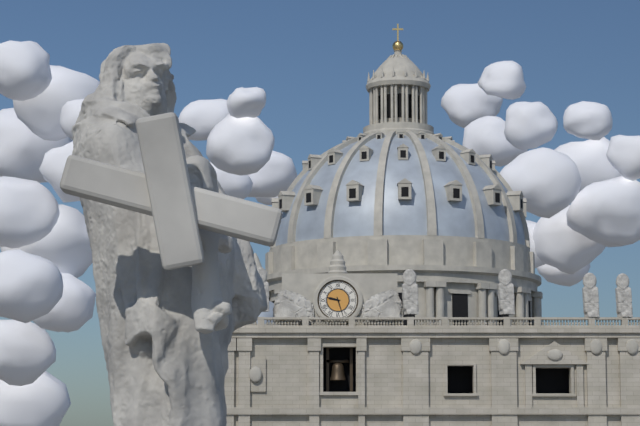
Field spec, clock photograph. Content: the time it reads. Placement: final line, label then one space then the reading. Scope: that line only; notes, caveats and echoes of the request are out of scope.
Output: 9:27
